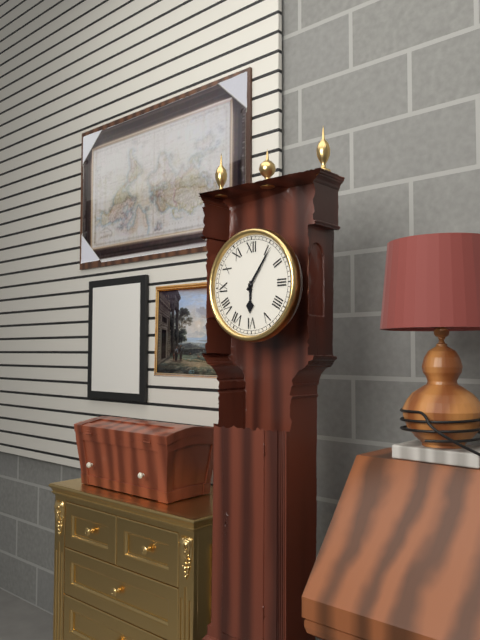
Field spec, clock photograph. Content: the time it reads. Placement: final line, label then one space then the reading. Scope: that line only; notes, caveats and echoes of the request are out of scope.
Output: 6:06
